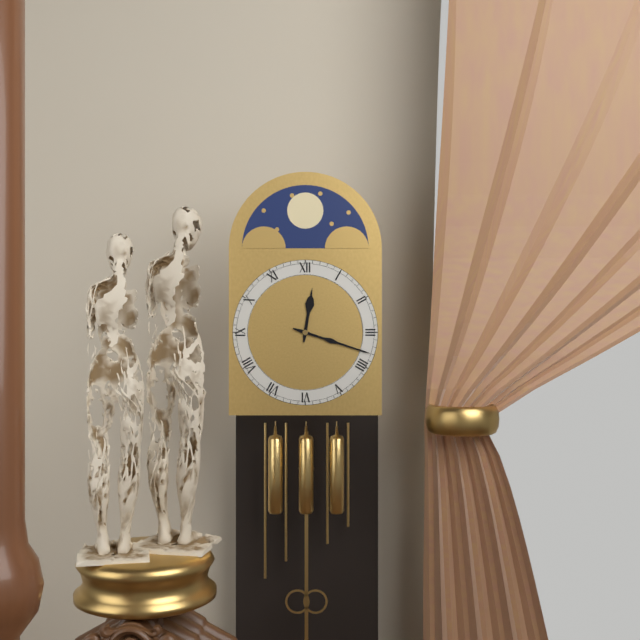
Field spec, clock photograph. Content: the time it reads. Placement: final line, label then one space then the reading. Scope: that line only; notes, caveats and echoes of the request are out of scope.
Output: 12:18
